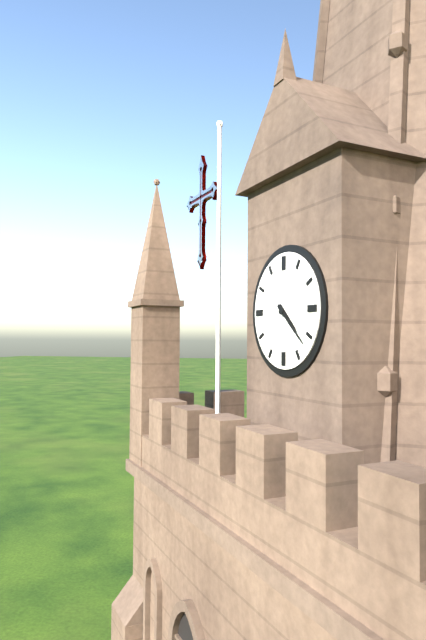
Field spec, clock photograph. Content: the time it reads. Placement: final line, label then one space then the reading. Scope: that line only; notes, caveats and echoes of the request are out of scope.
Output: 4:22
